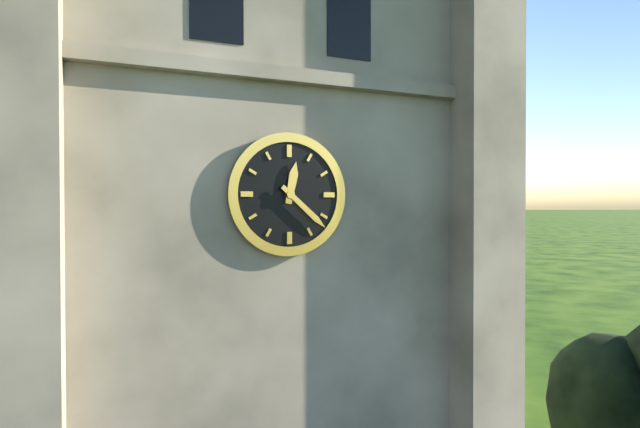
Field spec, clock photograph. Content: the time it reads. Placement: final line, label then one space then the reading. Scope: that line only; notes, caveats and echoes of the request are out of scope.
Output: 12:22
